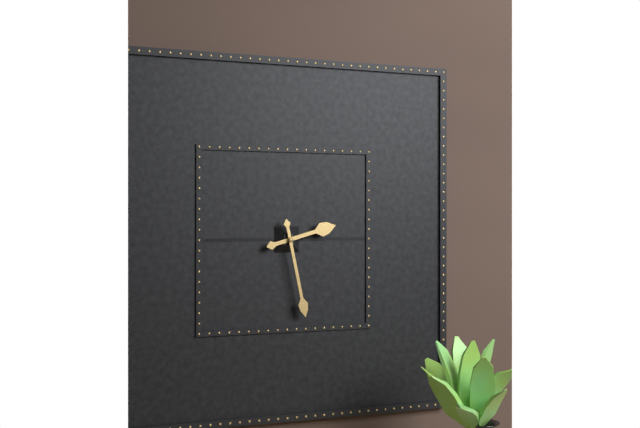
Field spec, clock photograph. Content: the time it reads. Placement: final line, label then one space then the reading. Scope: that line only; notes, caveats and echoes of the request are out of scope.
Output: 2:28
